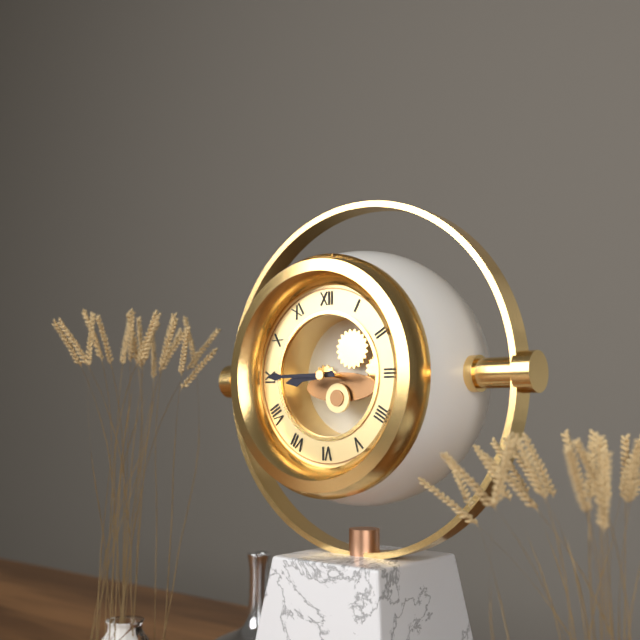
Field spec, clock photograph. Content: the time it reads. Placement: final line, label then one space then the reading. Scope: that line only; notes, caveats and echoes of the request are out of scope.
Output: 8:45
